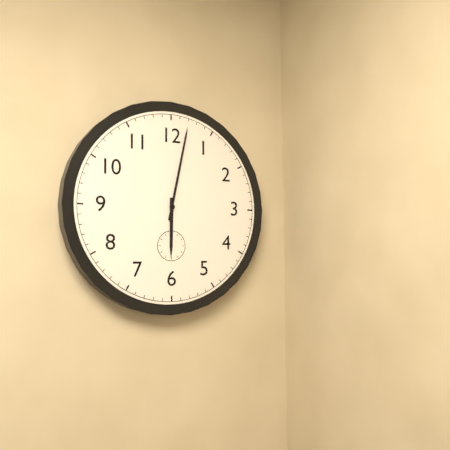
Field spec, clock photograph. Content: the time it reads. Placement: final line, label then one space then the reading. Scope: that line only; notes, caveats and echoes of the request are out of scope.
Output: 6:02
